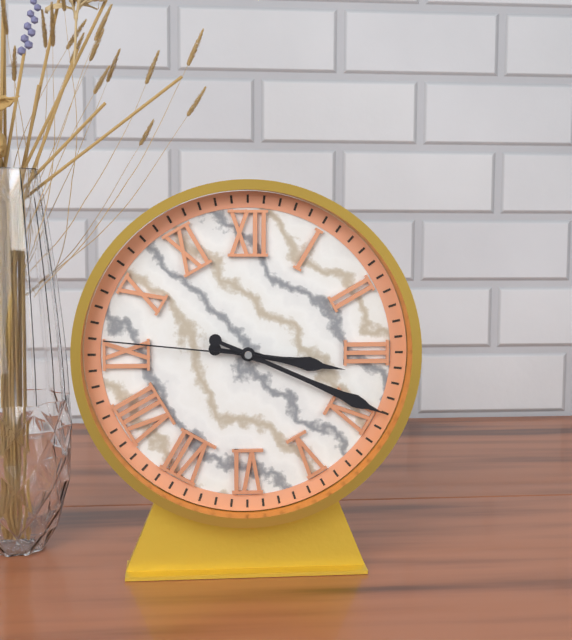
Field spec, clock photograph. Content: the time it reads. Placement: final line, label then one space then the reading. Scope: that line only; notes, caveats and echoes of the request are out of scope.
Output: 3:19:46
